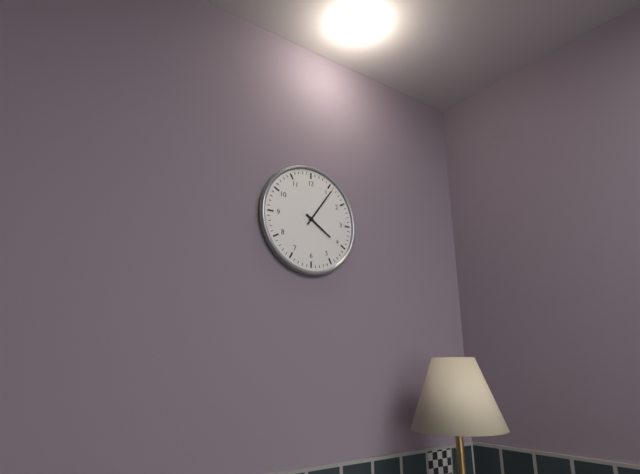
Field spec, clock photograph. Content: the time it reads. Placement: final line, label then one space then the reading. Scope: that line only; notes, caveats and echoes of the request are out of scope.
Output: 4:06
